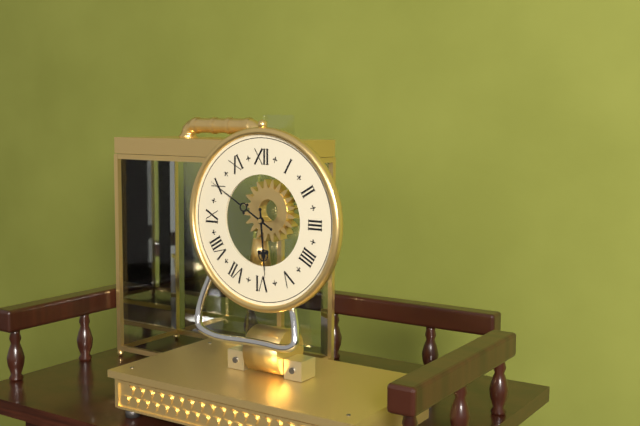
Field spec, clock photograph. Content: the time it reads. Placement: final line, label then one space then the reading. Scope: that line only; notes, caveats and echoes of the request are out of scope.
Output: 5:50
